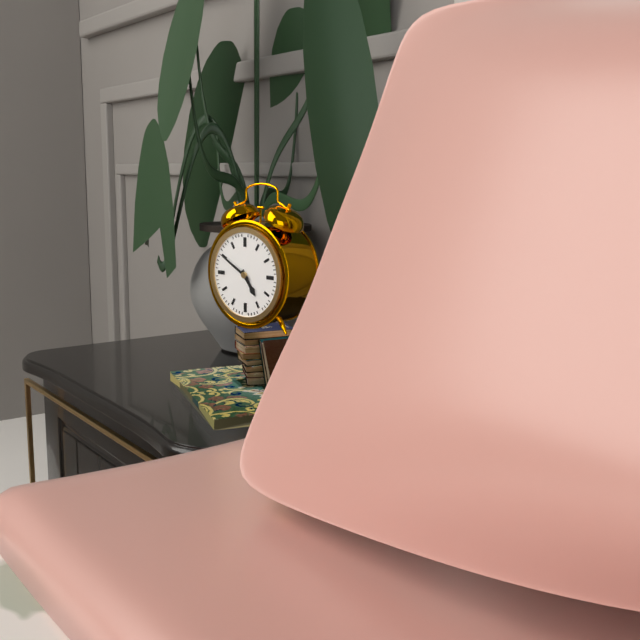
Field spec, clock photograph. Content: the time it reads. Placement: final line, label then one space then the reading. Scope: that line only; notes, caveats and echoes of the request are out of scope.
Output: 4:50
